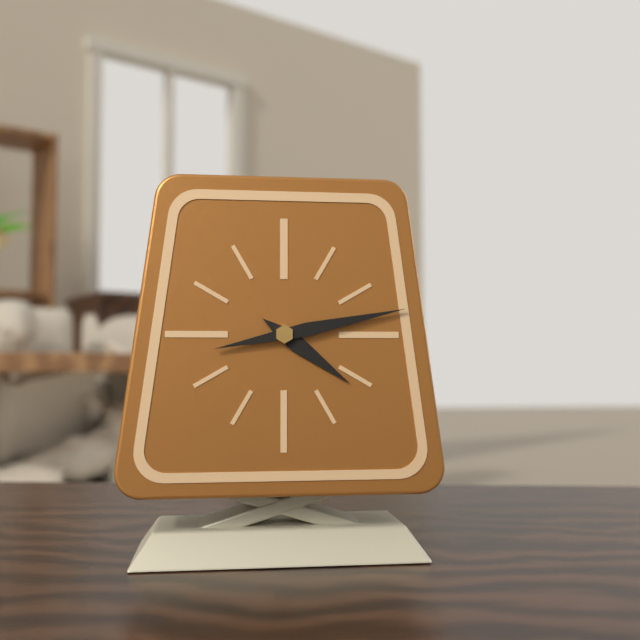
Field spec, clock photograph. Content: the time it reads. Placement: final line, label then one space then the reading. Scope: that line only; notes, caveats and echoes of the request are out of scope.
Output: 4:13
